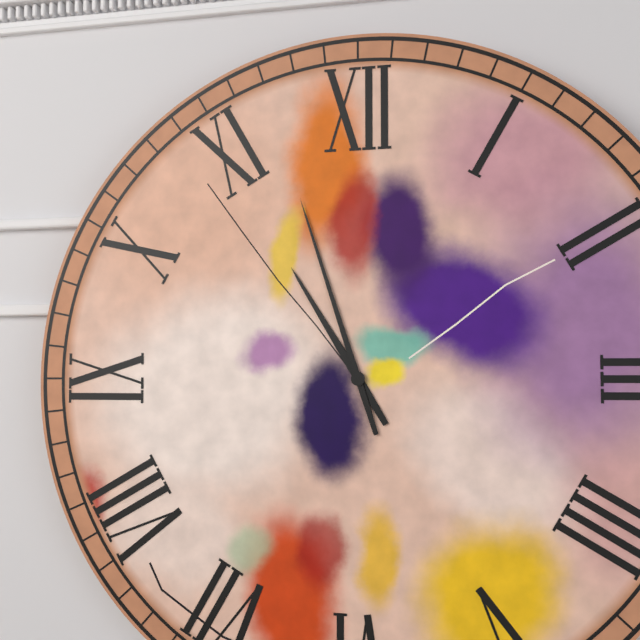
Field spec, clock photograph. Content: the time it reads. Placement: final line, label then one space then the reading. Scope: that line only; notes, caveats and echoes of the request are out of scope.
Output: 10:57
